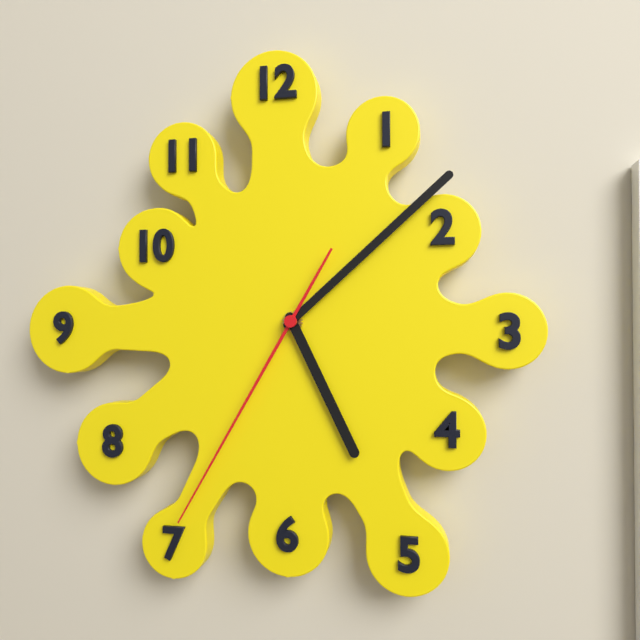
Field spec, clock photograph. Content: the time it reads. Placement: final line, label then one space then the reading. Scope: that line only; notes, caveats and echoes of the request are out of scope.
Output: 5:08:35
